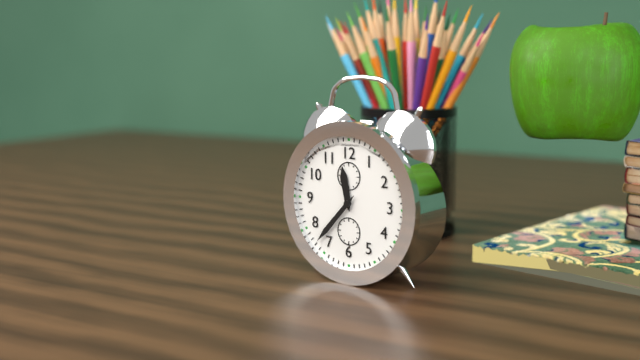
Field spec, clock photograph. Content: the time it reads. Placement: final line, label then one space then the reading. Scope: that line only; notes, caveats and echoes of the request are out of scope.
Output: 11:37
